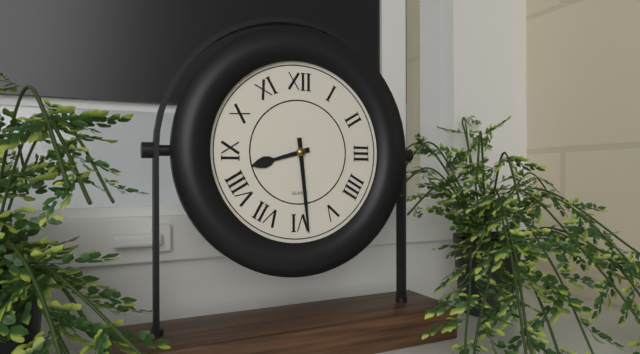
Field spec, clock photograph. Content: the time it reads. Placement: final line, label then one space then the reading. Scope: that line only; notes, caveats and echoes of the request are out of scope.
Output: 8:29
